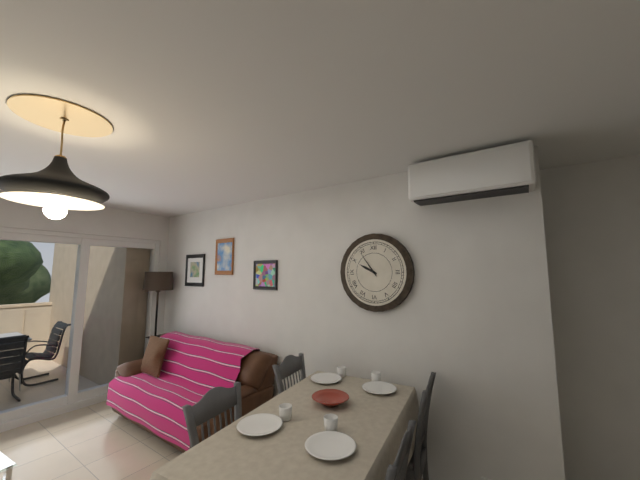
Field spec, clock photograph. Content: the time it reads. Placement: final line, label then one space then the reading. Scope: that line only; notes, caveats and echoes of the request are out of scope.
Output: 9:54
